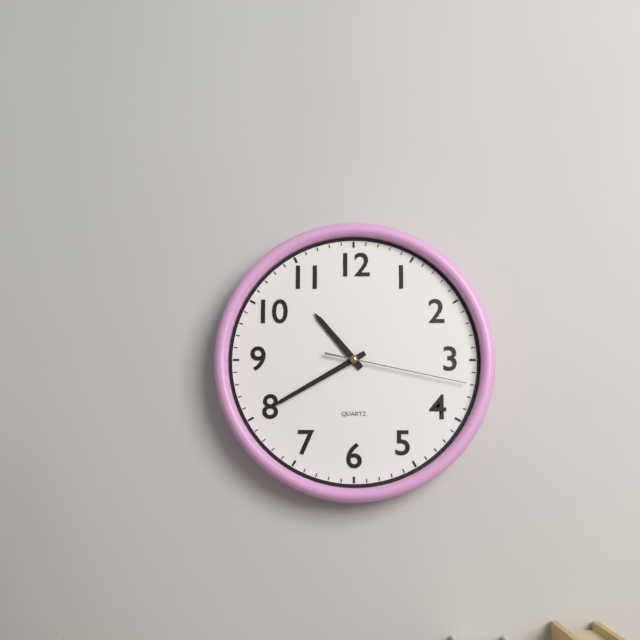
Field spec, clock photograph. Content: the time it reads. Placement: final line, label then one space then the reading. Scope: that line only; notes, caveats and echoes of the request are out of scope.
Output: 10:40:17
